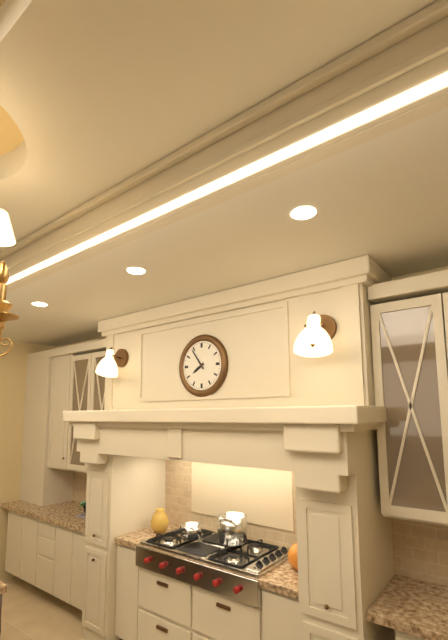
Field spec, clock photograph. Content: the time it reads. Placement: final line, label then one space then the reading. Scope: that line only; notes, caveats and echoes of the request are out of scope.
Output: 7:54
